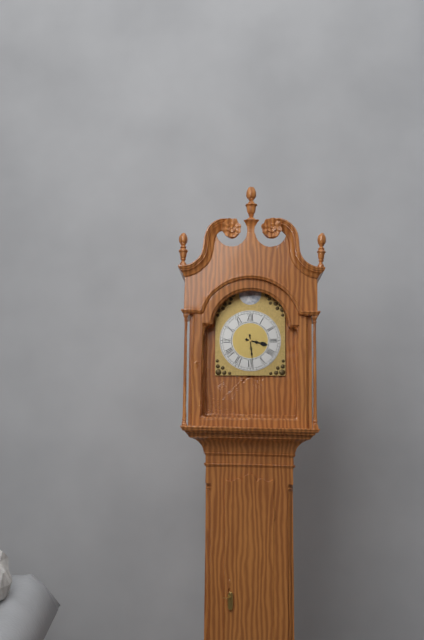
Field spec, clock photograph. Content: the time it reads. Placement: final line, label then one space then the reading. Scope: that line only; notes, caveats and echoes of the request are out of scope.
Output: 3:29
